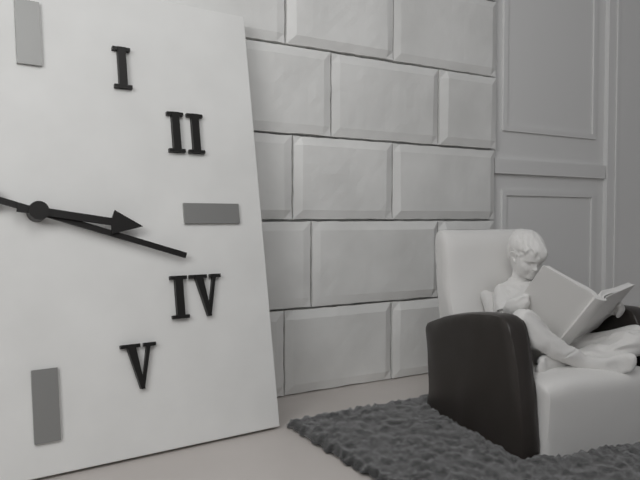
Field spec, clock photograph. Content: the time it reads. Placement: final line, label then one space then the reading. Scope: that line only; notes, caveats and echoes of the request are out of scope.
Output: 3:18
